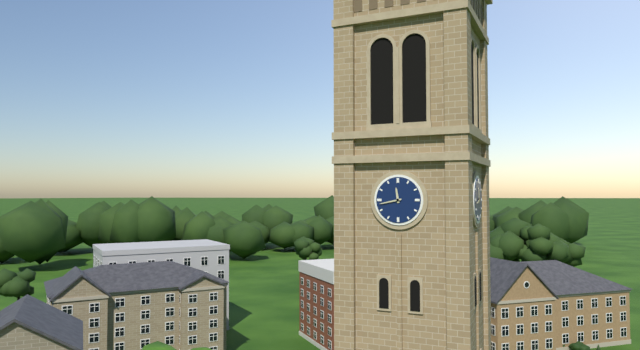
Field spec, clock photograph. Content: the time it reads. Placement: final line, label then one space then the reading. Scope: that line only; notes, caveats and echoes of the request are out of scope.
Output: 11:43
